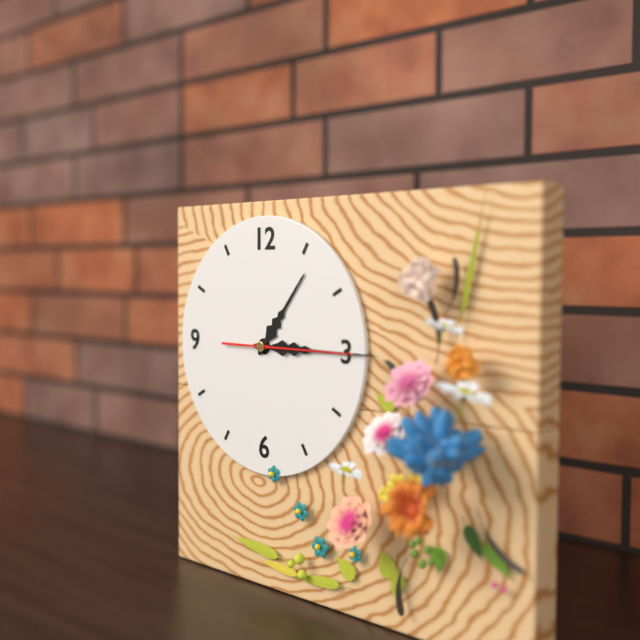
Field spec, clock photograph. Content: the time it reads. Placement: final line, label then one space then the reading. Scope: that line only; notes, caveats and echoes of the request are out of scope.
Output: 1:15:15
